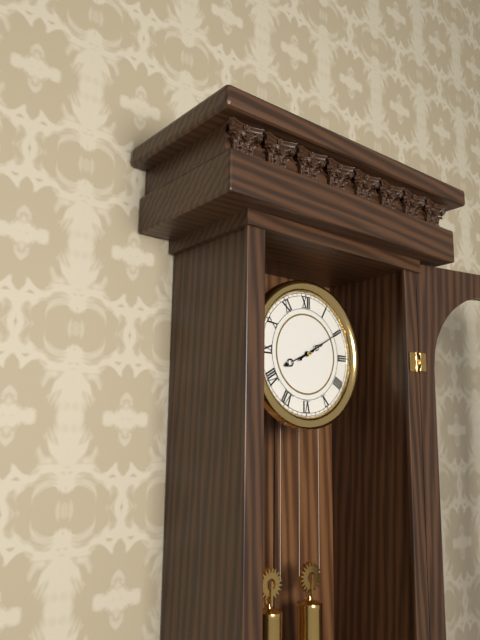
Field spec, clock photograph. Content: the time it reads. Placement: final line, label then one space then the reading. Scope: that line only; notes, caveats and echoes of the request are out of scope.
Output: 8:10
